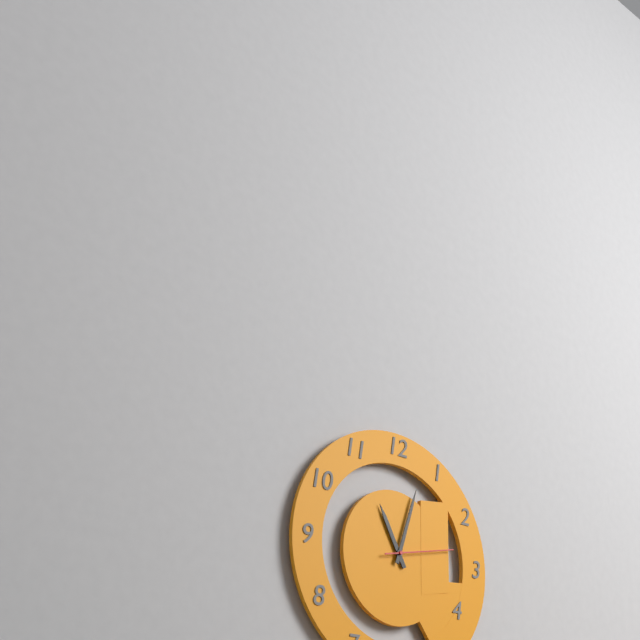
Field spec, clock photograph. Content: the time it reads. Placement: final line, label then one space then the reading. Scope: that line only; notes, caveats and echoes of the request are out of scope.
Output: 11:03:13
